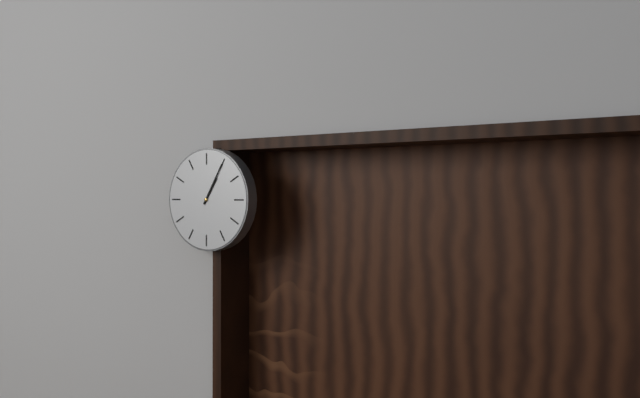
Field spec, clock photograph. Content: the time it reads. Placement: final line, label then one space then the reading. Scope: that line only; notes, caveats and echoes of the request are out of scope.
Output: 1:05
